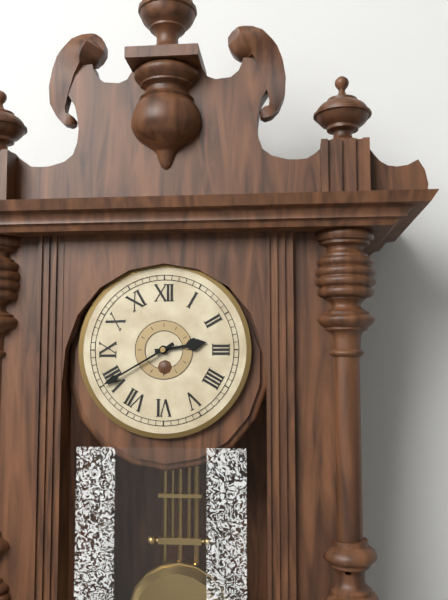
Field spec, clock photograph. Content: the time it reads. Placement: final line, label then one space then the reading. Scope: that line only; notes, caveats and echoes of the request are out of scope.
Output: 2:40
